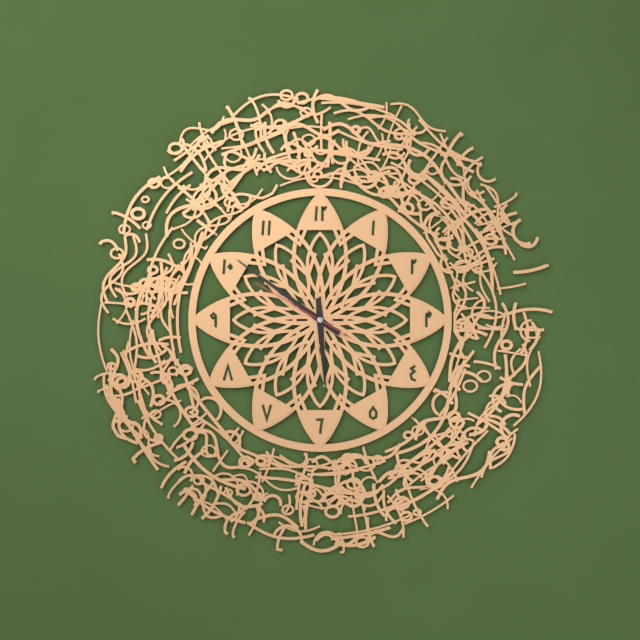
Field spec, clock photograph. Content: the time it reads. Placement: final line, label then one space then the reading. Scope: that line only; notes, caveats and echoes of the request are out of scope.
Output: 5:51:50
